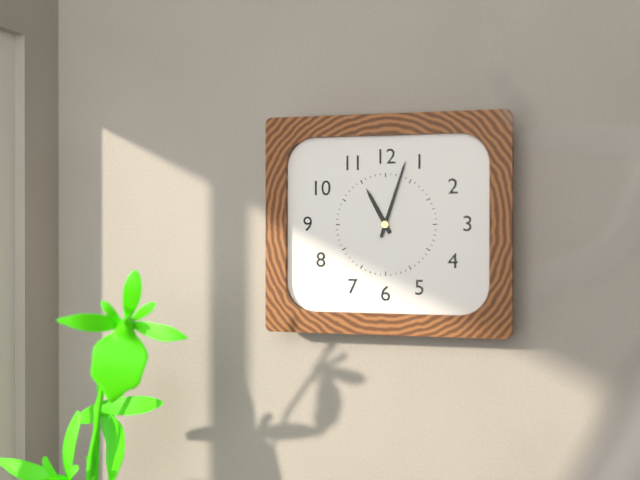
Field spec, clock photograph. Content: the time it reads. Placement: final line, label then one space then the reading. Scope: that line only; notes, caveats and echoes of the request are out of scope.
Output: 11:03
